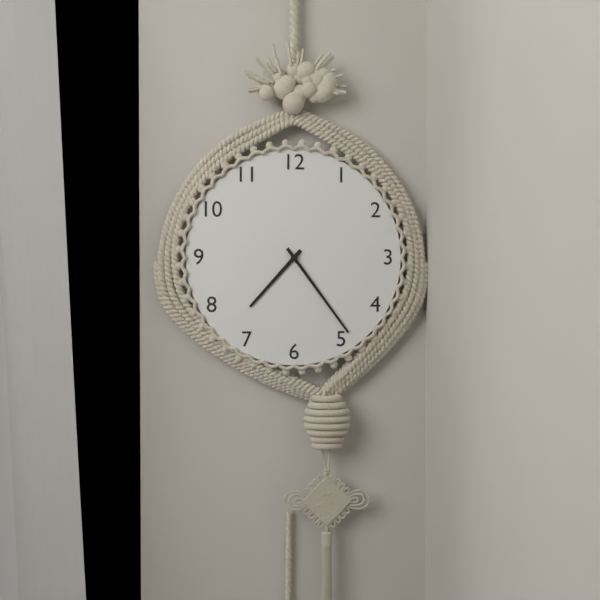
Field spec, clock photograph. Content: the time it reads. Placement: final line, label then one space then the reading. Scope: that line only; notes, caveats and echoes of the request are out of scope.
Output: 7:24
